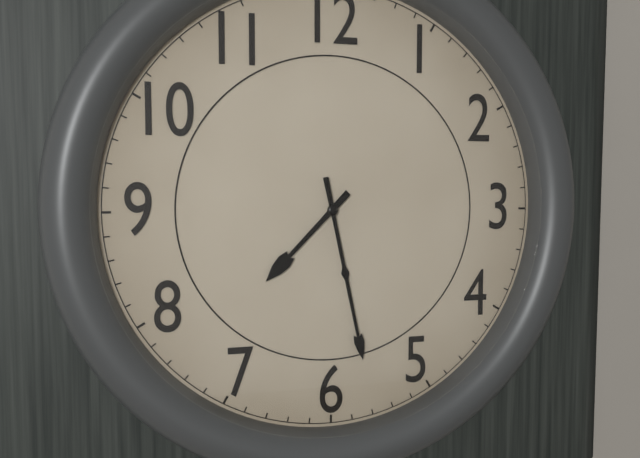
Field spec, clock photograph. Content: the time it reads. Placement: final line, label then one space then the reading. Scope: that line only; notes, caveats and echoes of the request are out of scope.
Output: 7:28
